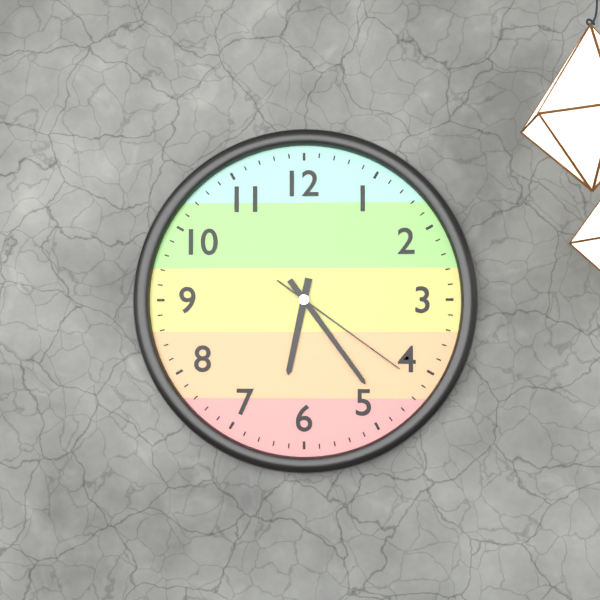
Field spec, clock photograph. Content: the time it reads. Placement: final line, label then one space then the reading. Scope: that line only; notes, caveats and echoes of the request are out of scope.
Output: 6:24:21
